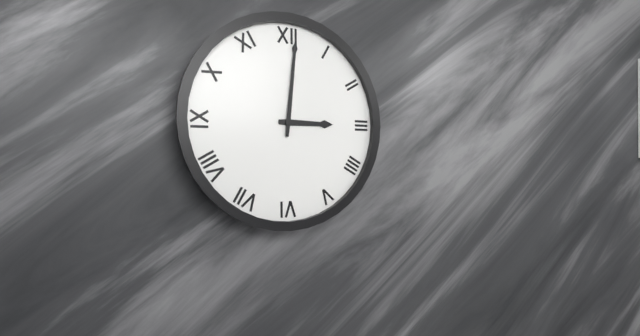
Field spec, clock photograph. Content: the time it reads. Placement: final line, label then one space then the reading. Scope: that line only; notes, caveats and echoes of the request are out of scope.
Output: 3:01
